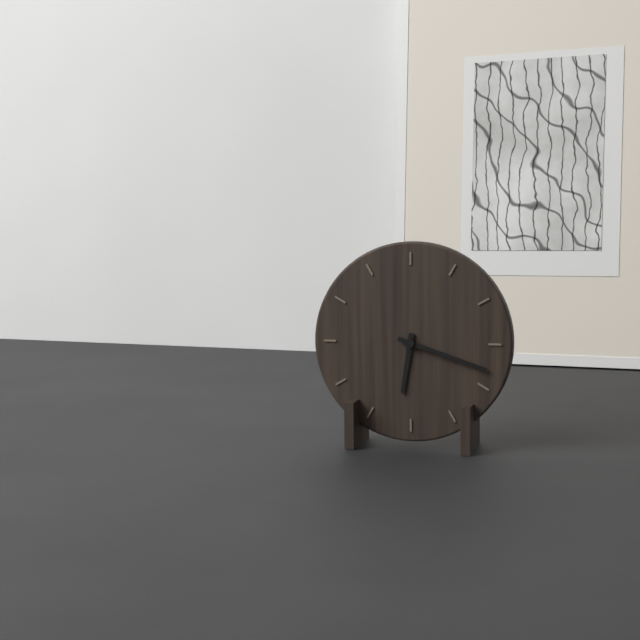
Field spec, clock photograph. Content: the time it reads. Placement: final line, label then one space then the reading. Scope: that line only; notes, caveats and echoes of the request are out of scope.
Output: 6:18
